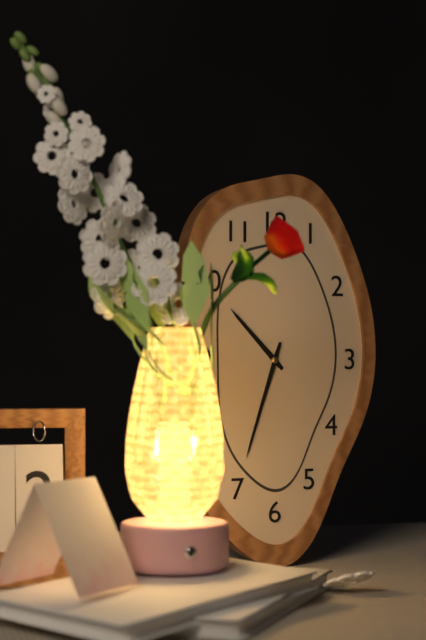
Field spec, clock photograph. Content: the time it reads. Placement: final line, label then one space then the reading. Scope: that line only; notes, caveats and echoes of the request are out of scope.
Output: 10:33
